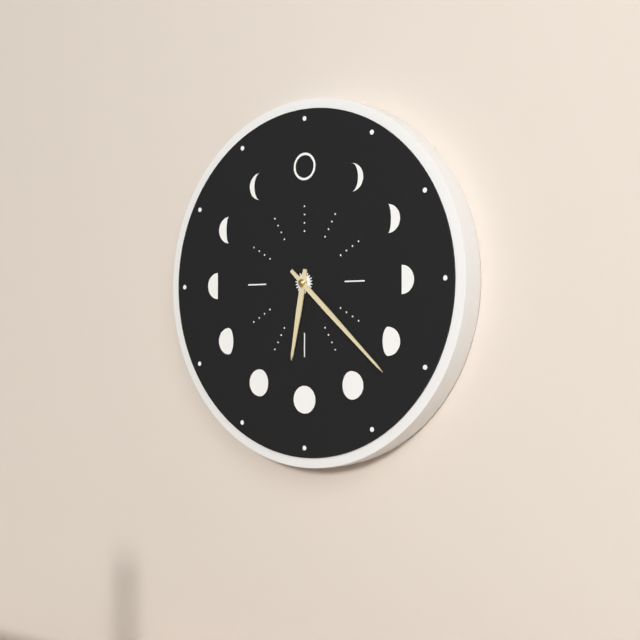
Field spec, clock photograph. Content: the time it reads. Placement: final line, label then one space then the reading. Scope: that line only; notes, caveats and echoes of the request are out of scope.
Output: 6:22
